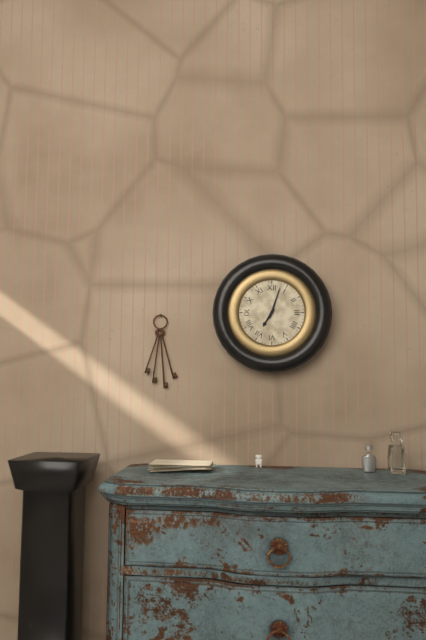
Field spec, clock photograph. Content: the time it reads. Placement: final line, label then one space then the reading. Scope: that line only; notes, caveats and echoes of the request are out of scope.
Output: 7:03
